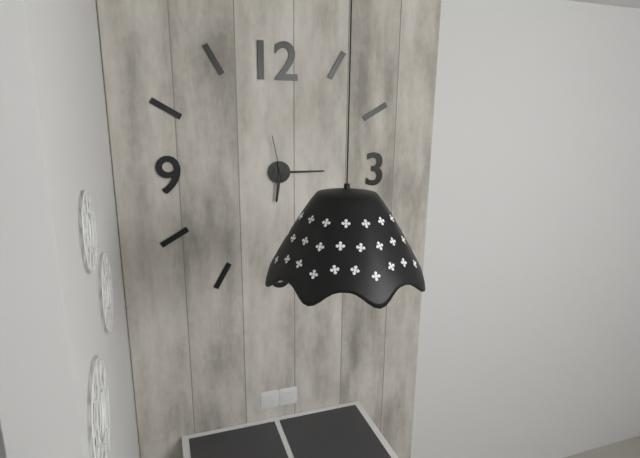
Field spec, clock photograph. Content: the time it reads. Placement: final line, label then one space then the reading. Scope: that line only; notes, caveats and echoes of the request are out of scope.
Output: 6:15
